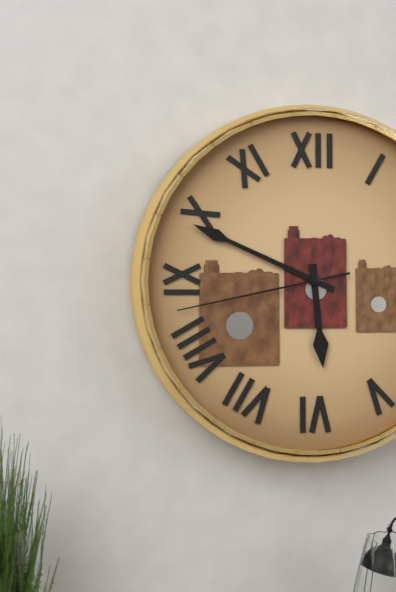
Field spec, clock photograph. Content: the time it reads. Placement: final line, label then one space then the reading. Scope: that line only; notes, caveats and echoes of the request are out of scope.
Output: 5:49:43
